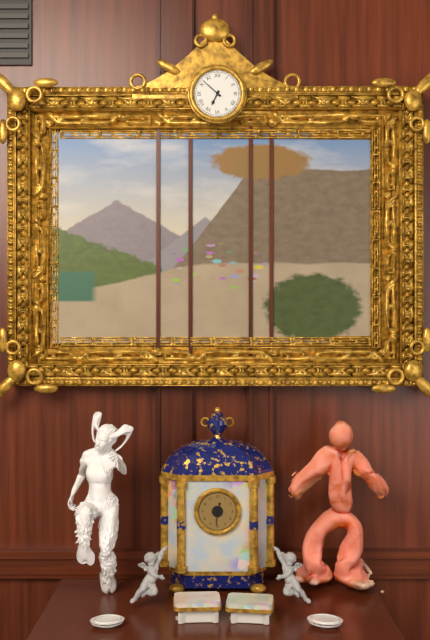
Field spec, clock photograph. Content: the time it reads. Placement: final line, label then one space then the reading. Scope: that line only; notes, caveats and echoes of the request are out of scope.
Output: 6:52
